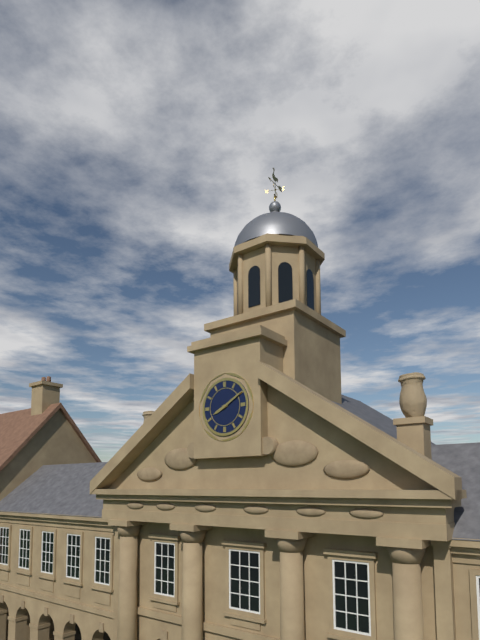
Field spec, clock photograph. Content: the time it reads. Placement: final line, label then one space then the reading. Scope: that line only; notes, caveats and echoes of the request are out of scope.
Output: 8:10
